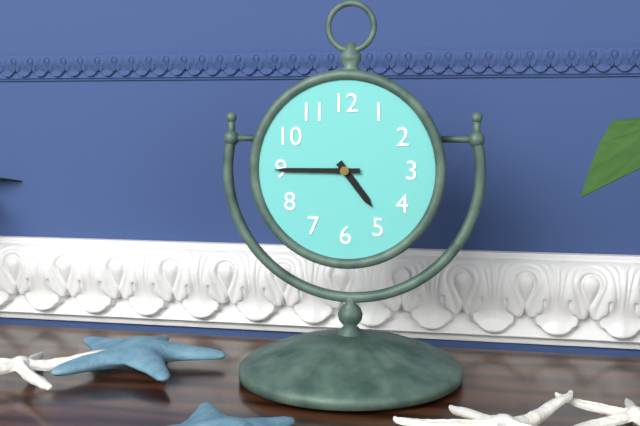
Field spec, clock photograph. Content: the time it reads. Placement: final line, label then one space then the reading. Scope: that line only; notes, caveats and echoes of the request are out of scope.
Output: 4:45
